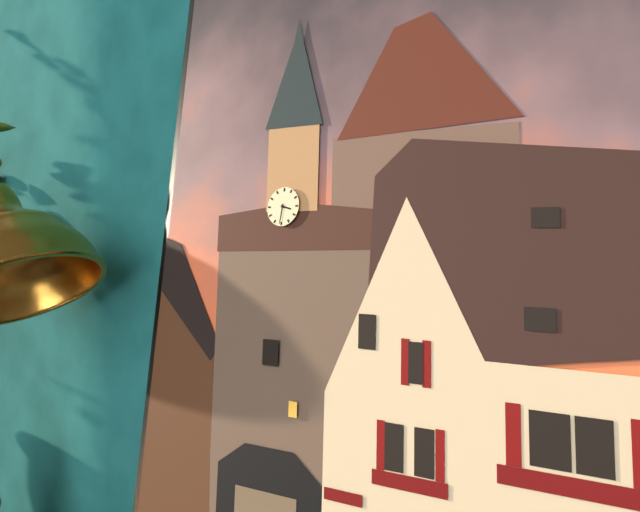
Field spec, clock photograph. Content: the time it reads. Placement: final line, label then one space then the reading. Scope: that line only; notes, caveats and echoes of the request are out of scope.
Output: 3:31
